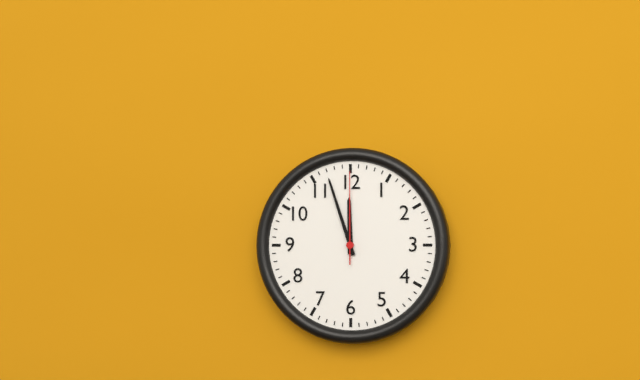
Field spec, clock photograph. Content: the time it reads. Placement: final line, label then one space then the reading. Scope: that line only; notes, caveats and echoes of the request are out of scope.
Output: 11:57:00
